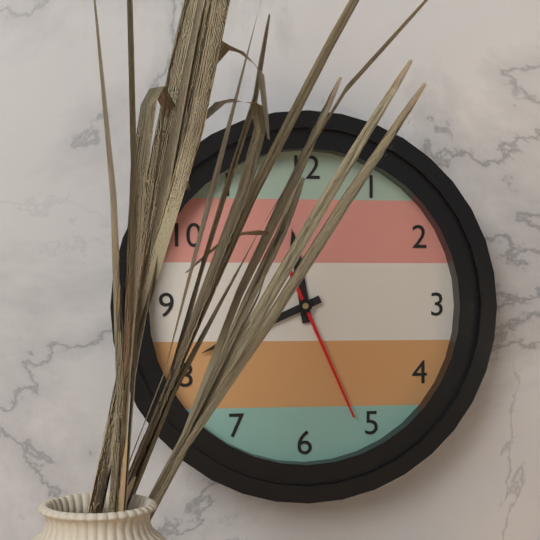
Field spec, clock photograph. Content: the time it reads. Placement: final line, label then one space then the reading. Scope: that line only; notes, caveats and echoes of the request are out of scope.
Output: 11:41:26
